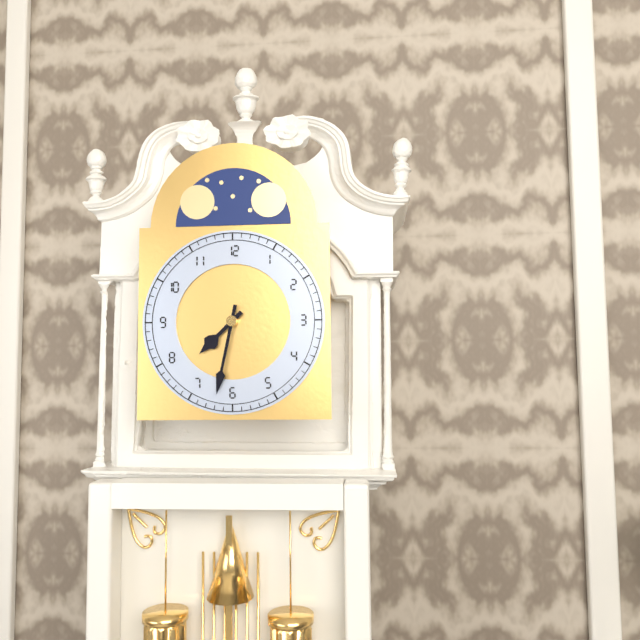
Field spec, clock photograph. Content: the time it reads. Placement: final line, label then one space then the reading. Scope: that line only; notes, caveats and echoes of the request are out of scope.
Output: 7:32
